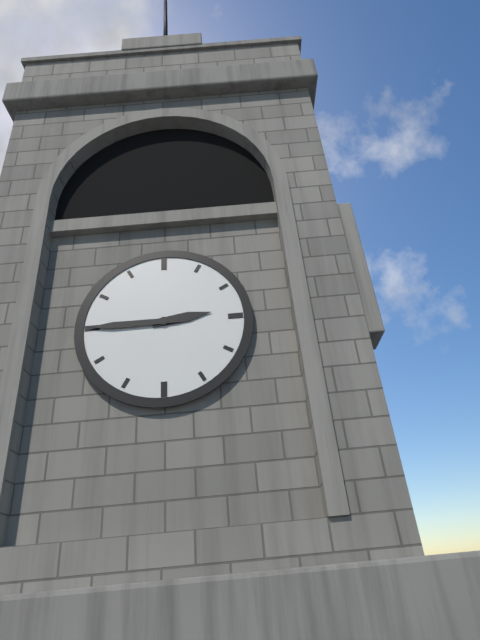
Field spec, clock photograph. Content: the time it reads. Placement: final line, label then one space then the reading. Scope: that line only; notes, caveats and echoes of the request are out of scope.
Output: 2:45
